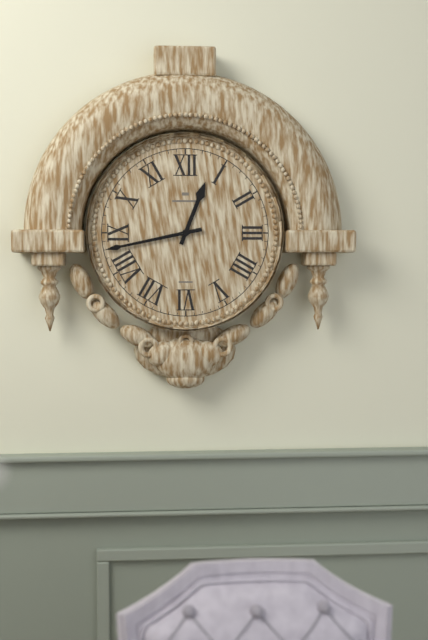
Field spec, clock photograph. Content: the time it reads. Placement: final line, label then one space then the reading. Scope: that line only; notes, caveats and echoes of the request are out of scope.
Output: 12:43
